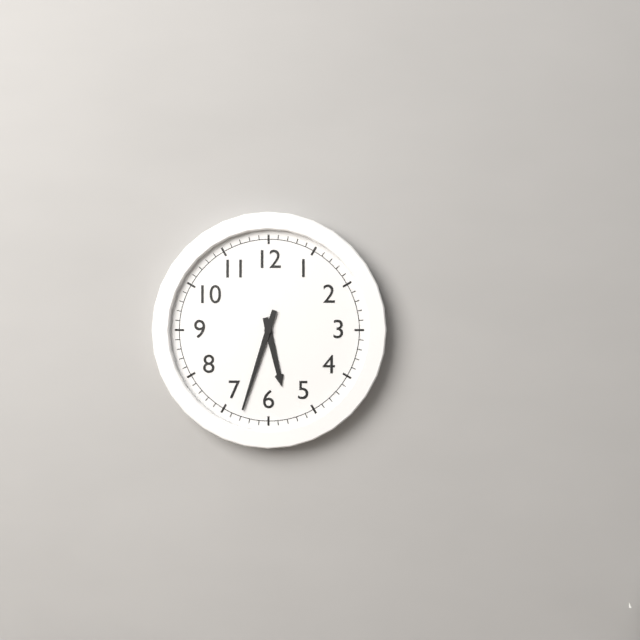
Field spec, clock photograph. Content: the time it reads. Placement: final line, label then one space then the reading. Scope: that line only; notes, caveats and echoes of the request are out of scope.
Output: 5:33
